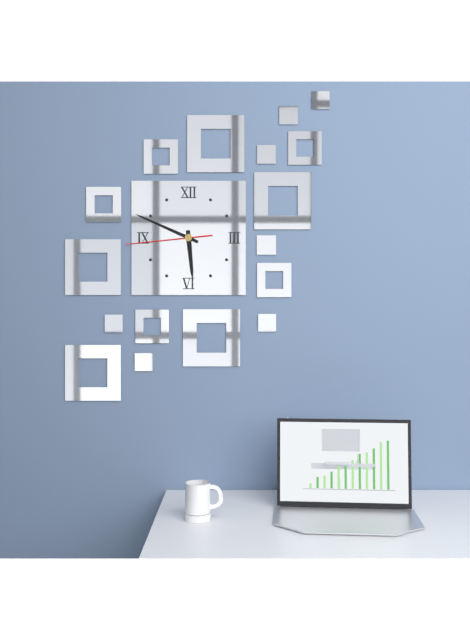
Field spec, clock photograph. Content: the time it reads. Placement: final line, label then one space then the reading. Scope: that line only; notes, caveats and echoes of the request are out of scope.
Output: 5:49:44
